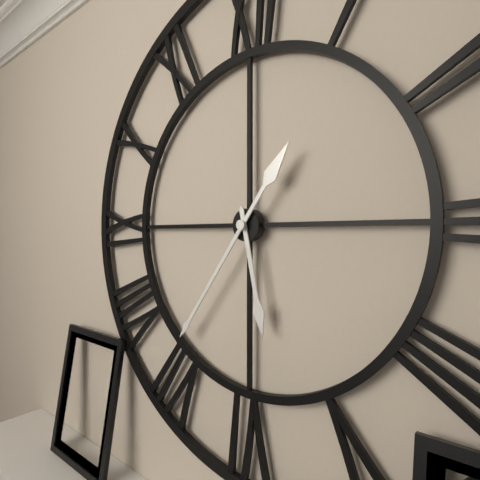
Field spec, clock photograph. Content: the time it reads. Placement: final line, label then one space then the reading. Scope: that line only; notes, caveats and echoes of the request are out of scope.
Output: 5:36
